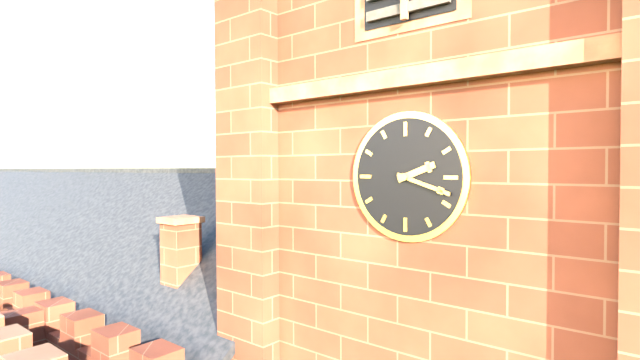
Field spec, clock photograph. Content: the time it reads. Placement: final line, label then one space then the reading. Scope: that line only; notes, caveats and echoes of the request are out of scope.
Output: 2:18
